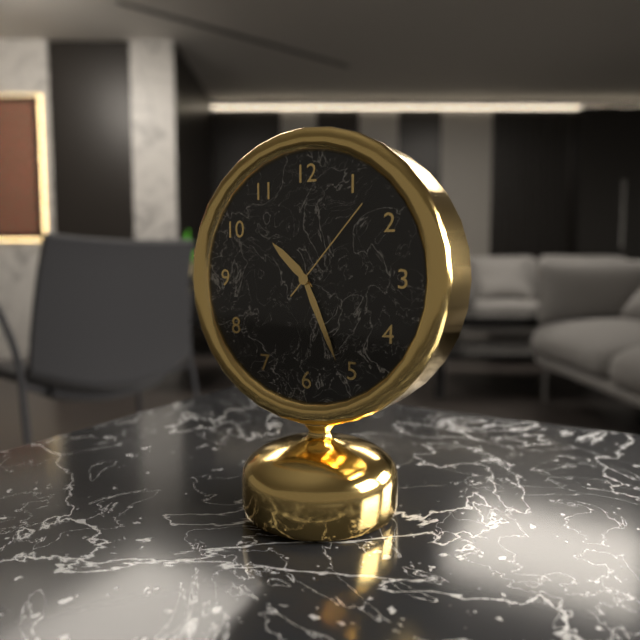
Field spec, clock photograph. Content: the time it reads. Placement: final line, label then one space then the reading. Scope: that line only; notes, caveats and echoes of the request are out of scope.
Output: 10:26:07
